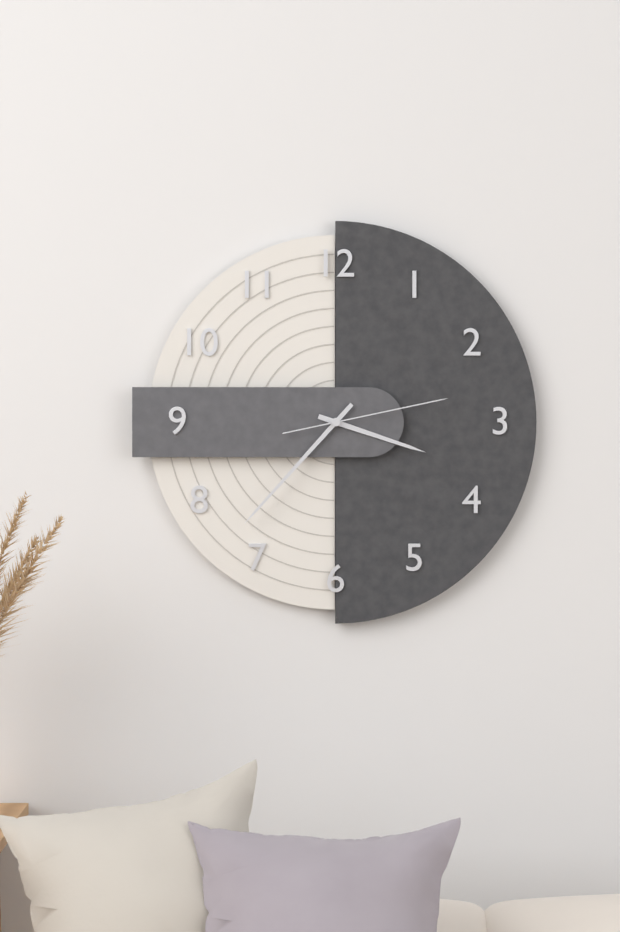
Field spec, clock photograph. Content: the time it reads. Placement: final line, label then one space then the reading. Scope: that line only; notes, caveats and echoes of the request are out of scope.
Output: 3:37:13
